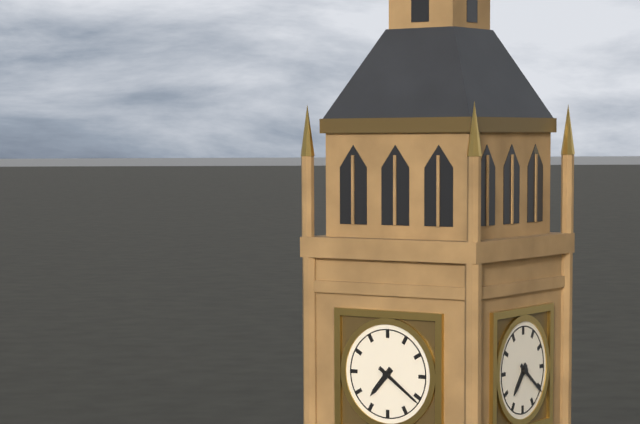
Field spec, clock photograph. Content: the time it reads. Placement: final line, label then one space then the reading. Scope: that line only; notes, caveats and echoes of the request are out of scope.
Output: 7:21
